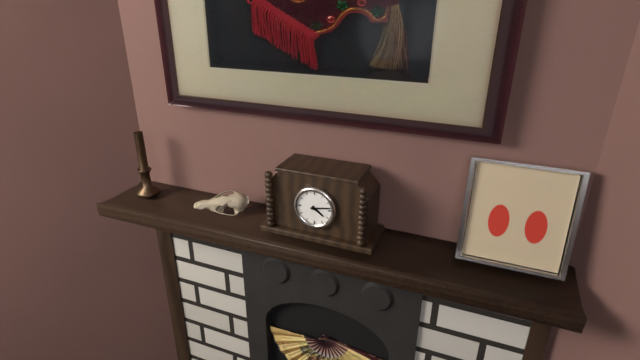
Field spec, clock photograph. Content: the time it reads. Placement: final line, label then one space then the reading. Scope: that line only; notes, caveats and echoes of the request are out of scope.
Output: 4:13
